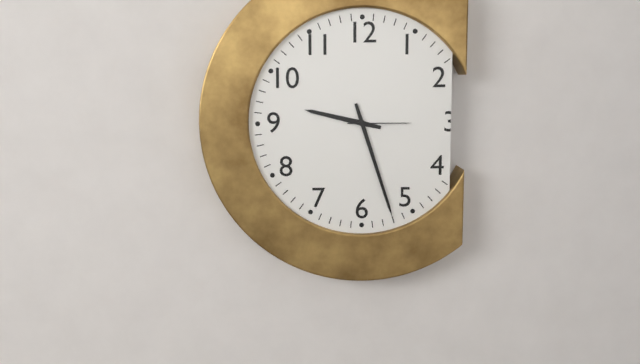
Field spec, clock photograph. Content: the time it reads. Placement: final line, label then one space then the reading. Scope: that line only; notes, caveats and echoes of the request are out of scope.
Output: 9:27:15
